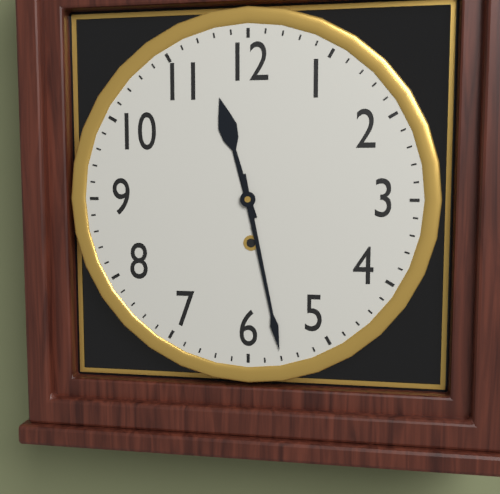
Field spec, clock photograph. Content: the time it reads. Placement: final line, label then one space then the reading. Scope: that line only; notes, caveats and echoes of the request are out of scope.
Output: 11:28
